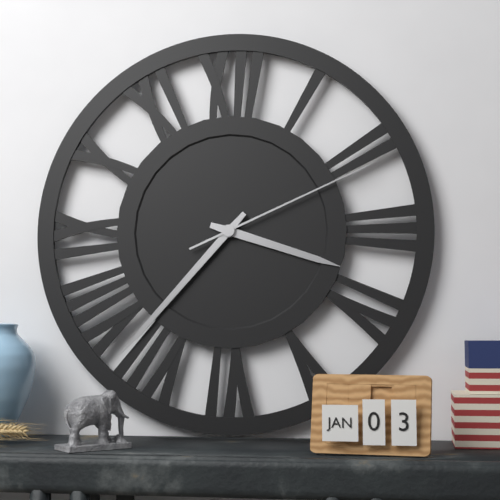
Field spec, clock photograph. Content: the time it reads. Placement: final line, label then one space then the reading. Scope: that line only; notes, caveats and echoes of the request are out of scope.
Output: 3:37:11
